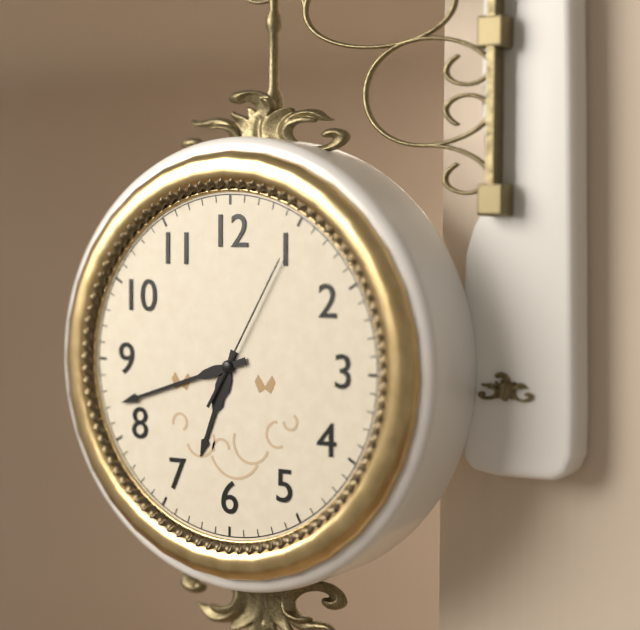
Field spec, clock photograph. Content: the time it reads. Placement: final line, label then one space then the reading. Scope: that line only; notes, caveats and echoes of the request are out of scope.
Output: 6:42:05
